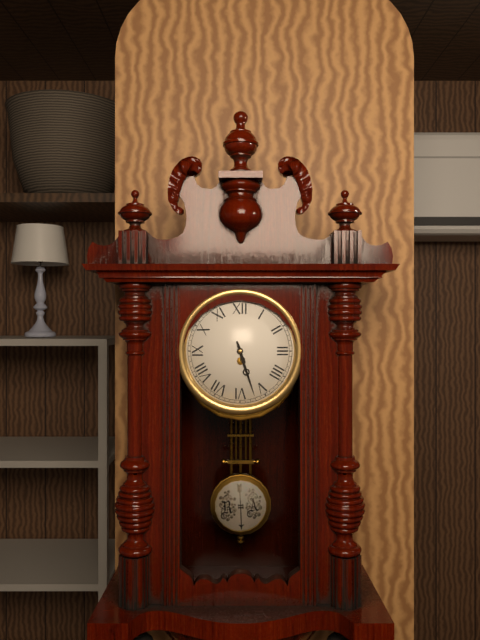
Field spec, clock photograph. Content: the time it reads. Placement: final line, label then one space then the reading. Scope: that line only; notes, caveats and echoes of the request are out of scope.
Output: 5:27
